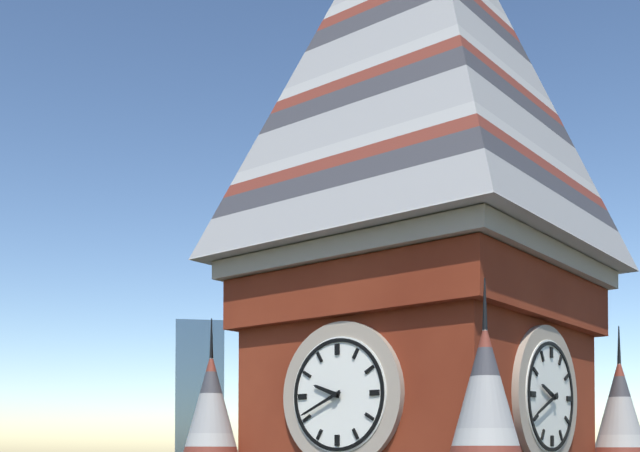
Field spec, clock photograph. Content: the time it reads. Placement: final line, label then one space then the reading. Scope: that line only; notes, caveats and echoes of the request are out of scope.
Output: 9:41
